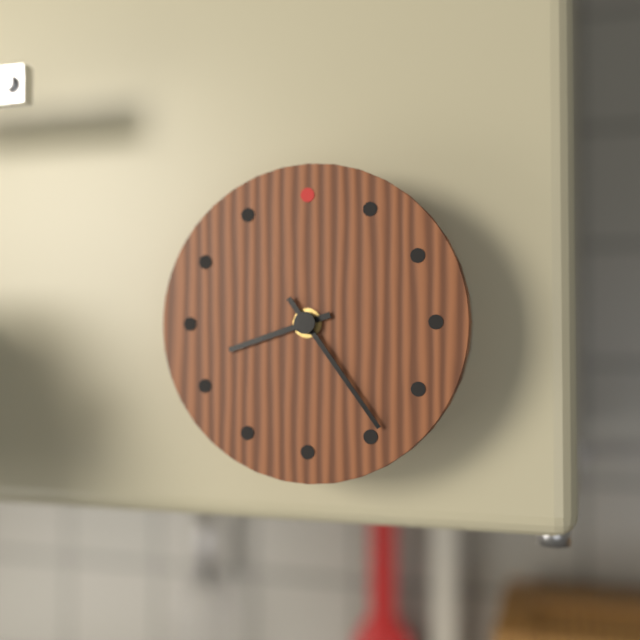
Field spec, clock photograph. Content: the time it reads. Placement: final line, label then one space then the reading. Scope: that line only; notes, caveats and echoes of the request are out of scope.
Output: 8:24
